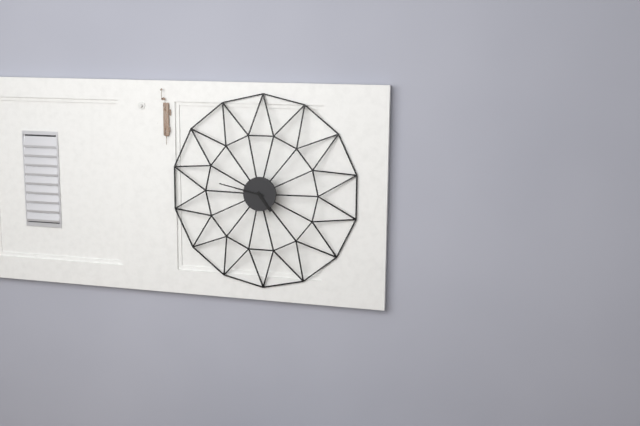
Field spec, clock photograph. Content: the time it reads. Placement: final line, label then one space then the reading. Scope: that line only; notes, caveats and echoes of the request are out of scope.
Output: 4:47
